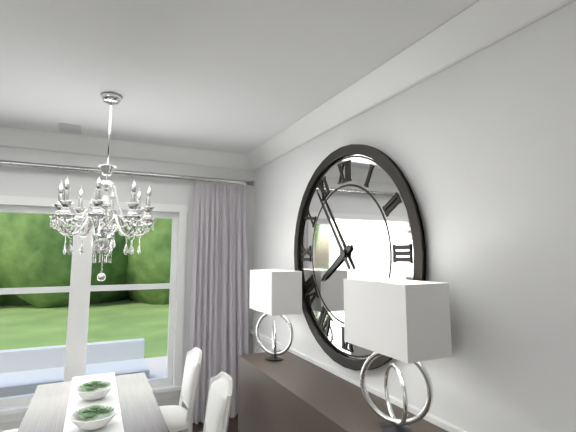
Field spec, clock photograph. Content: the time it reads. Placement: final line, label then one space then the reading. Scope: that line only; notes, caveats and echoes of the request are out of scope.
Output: 7:54
